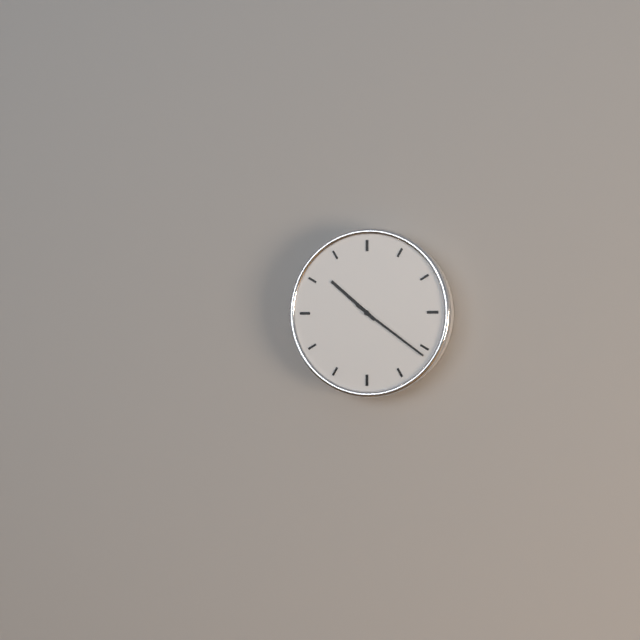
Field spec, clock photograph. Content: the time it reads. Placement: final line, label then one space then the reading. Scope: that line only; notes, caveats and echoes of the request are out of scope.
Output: 10:21
